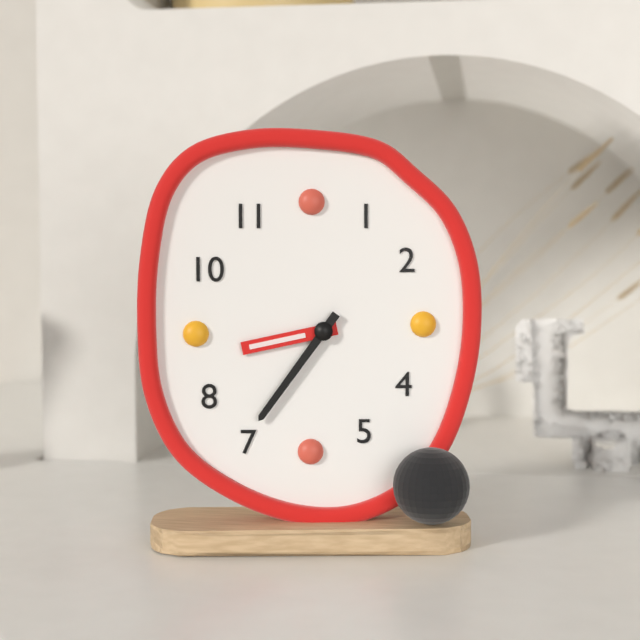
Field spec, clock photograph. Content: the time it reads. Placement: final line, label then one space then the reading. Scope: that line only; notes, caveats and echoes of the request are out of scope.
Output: 8:36
